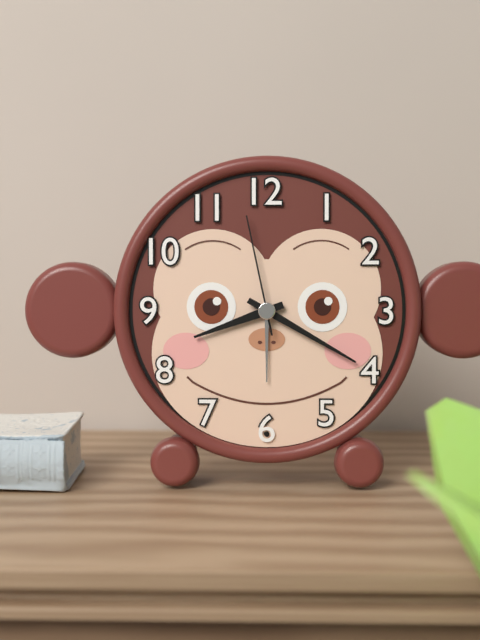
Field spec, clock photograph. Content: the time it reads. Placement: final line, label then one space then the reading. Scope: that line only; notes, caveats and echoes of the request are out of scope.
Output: 8:20:58
